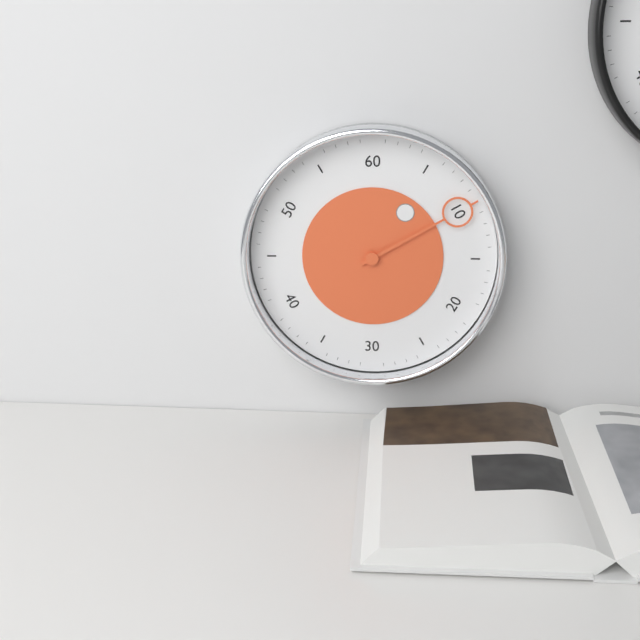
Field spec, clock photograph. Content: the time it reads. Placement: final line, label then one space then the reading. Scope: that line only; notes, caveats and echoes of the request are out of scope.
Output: 1:10
